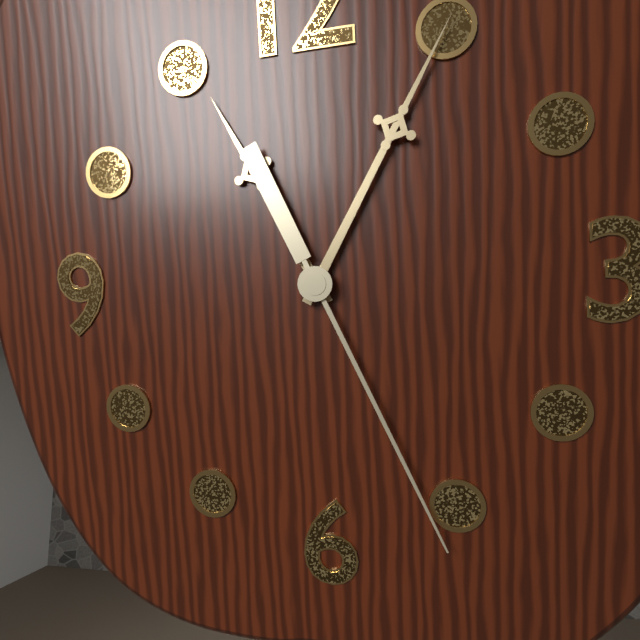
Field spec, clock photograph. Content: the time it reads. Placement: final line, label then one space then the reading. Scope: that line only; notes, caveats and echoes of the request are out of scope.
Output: 11:05:26
